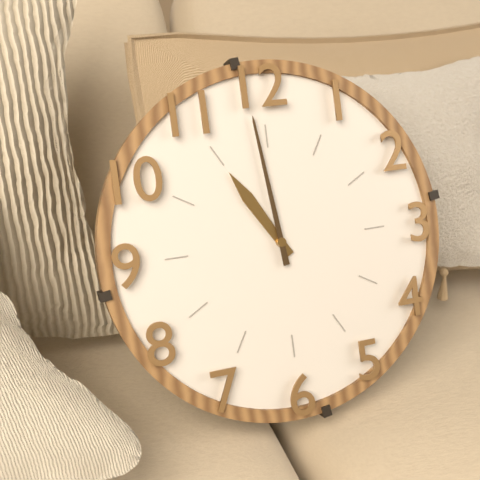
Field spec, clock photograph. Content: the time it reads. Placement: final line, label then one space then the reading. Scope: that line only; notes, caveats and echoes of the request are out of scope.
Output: 10:59
